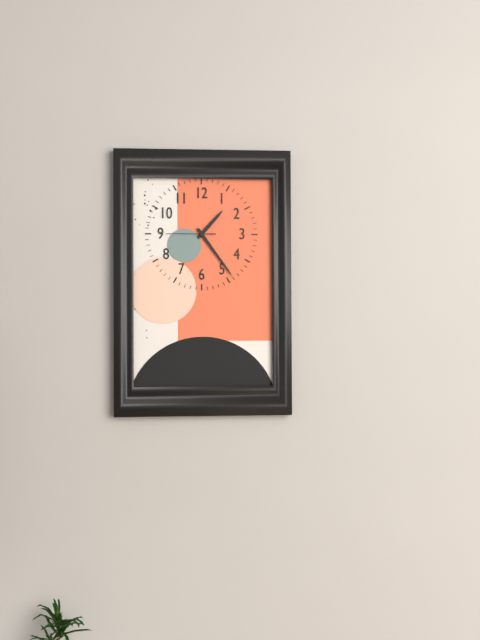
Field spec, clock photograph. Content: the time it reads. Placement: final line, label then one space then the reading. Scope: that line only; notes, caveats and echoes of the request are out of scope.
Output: 1:24
